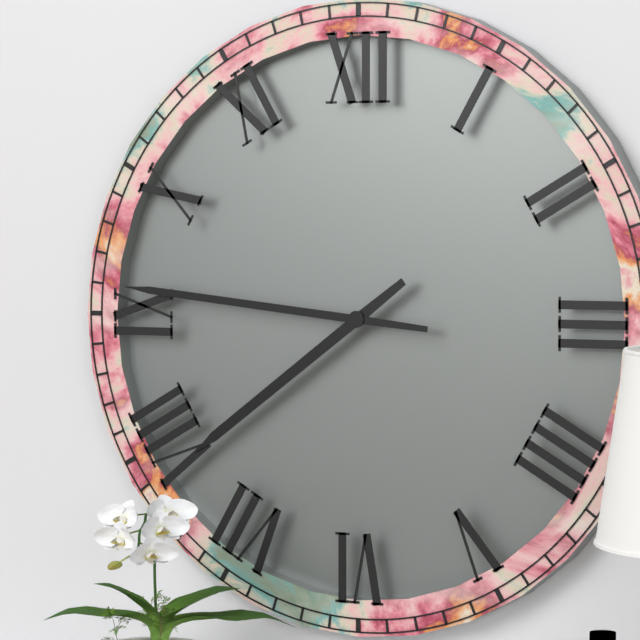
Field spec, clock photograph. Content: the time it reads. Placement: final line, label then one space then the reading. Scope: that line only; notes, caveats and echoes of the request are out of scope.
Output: 7:46
